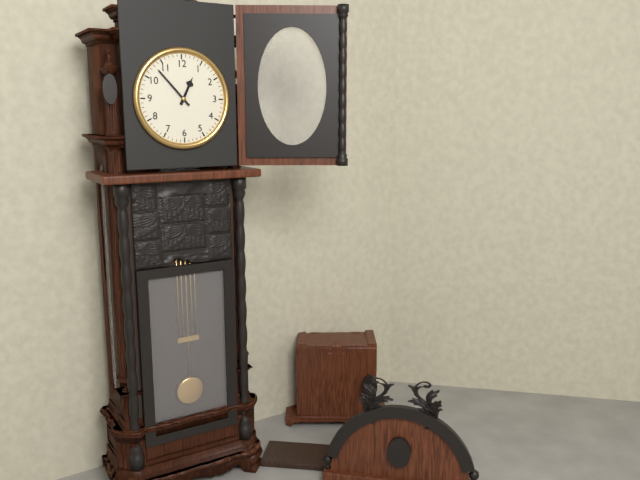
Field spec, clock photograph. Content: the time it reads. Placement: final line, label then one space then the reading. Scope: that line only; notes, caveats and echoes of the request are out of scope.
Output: 12:53
